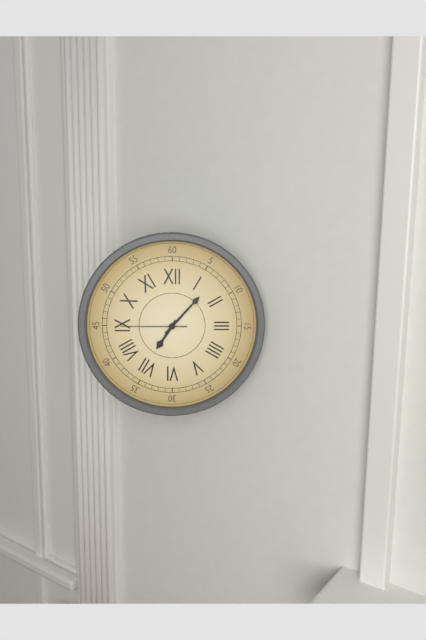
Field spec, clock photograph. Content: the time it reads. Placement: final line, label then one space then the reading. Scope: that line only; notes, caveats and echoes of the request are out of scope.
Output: 7:07:45
